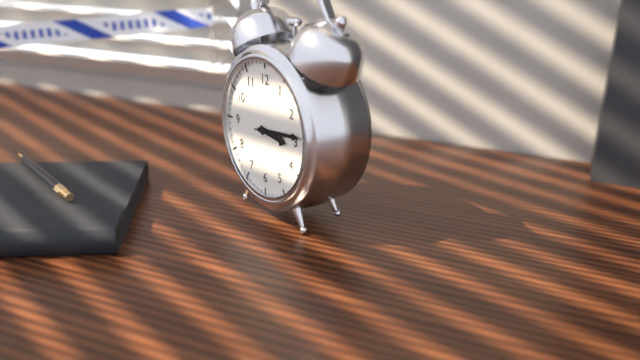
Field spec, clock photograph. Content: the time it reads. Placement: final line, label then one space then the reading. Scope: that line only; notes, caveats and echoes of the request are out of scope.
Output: 3:14
